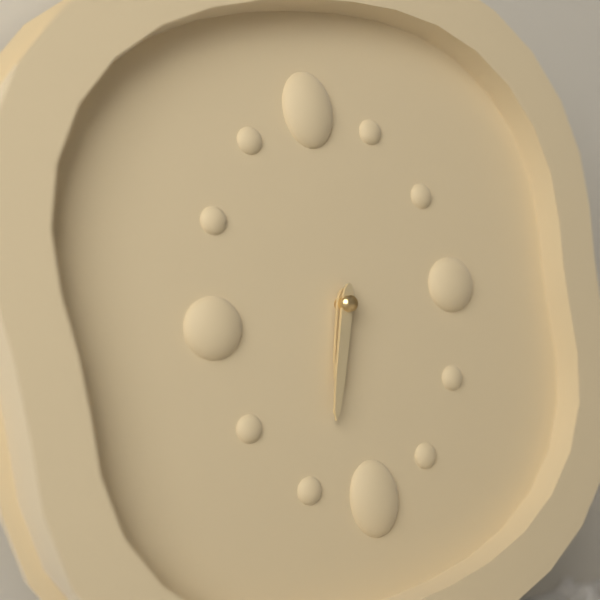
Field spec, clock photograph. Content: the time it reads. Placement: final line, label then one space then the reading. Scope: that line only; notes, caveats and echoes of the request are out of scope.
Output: 6:33
